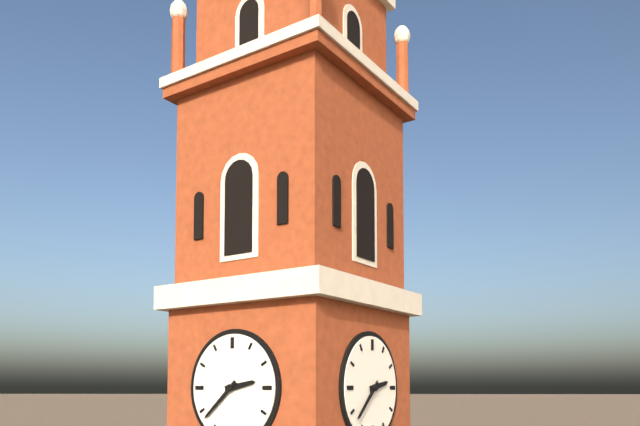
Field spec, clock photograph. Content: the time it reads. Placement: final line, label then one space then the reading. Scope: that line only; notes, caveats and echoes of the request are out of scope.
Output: 2:38
